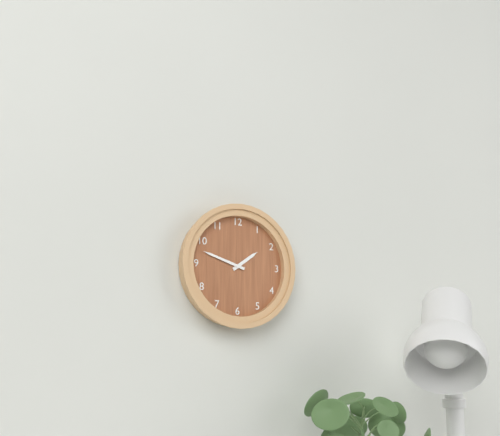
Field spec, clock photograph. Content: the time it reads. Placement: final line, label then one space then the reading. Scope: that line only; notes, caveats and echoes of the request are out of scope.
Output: 1:48
